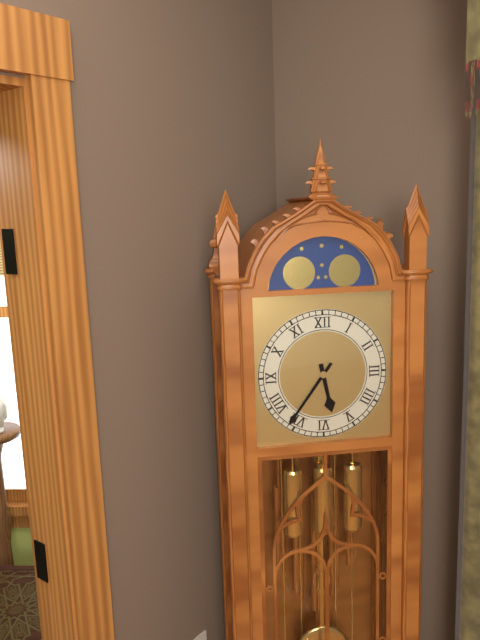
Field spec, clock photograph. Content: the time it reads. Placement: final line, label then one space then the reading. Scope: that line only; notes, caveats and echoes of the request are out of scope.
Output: 5:36
